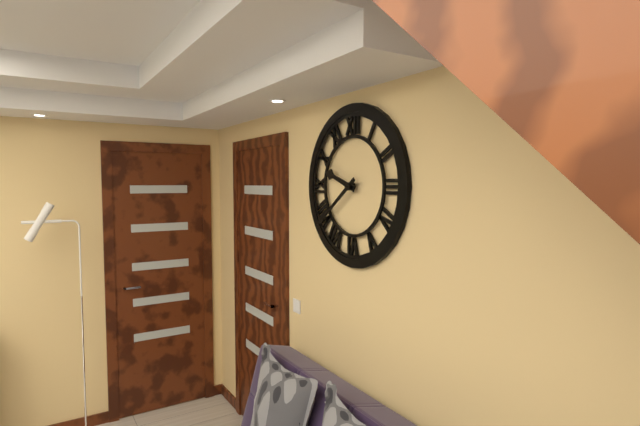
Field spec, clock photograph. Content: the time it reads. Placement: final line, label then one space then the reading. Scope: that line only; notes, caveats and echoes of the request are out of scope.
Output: 9:39
